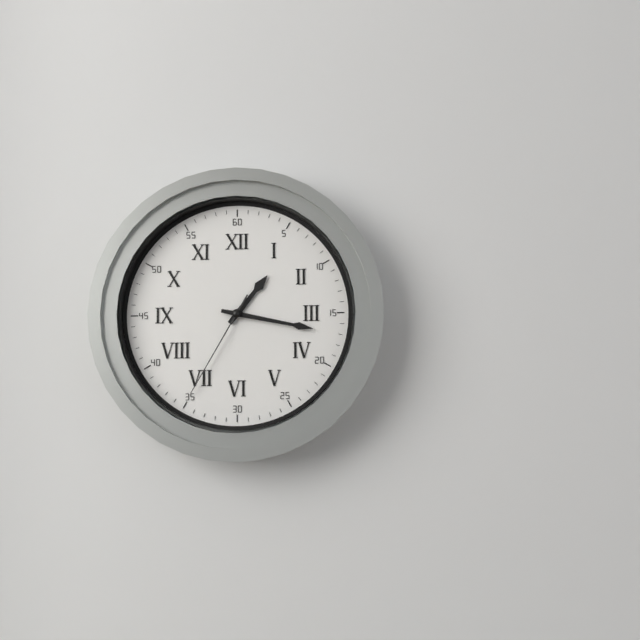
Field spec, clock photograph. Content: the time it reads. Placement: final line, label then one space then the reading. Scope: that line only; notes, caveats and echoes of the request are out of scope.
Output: 1:17:35
